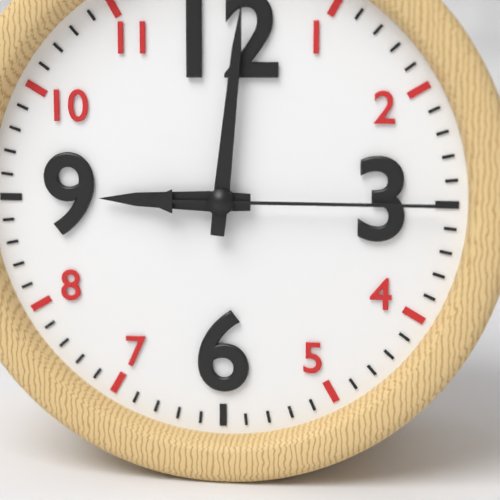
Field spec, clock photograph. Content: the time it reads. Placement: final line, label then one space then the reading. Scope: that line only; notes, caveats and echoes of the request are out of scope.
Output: 9:01:15
